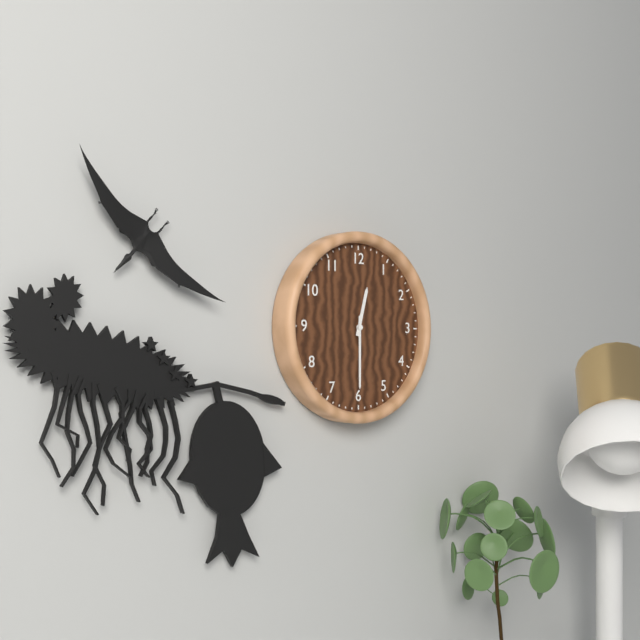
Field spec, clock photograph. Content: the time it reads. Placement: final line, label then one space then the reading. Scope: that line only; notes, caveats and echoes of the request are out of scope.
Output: 12:30
